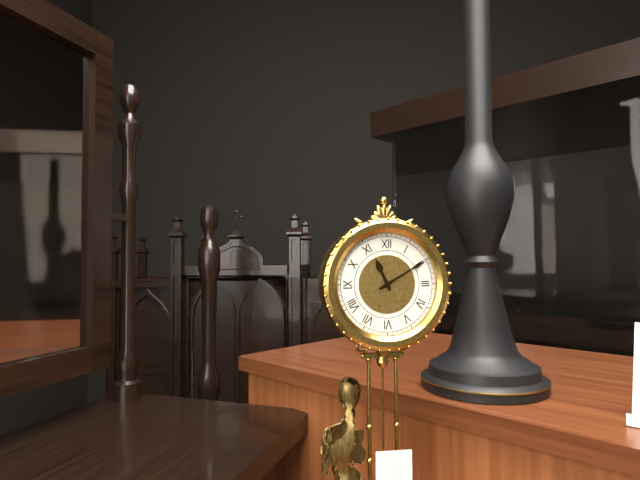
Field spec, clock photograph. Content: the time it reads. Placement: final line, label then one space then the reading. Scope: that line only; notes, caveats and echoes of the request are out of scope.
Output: 11:10
